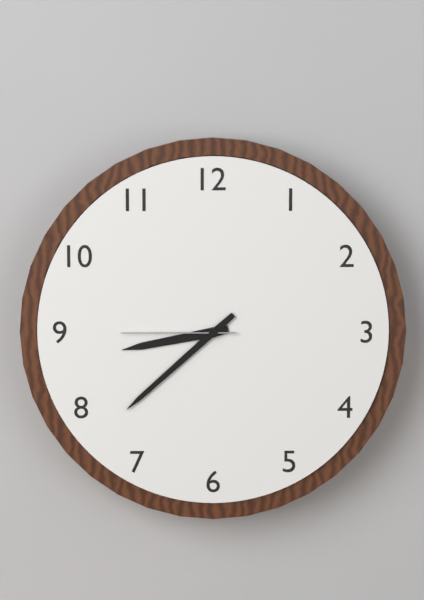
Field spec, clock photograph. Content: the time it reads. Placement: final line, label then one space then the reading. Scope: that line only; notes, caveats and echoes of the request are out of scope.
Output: 8:38:45
